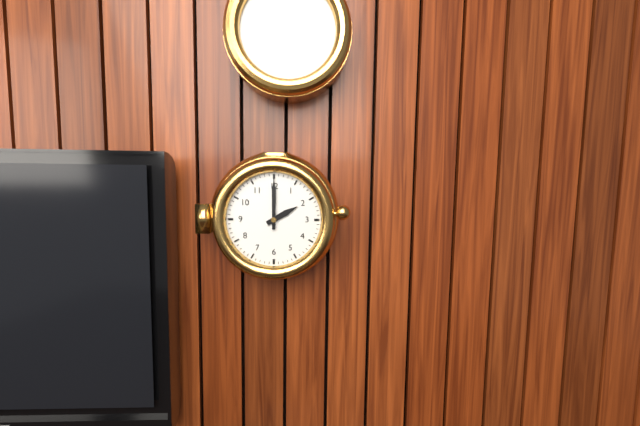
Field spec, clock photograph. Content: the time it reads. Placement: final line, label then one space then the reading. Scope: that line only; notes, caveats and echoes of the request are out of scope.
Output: 2:00
